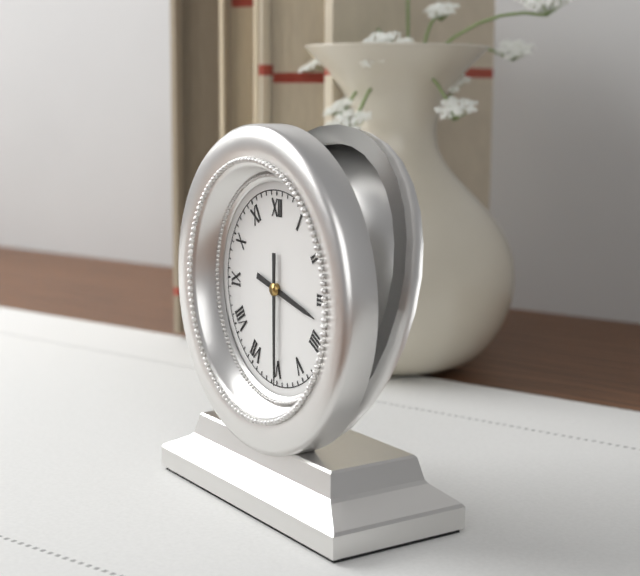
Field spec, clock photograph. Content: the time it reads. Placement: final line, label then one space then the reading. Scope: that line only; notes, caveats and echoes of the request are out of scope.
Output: 3:30
